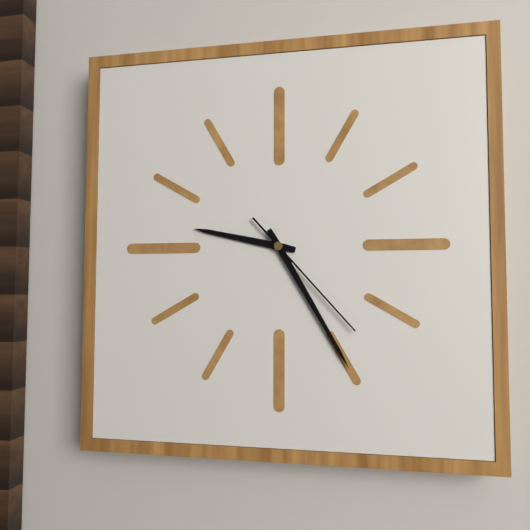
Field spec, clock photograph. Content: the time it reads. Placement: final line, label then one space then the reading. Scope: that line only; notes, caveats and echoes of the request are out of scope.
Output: 9:25:23
